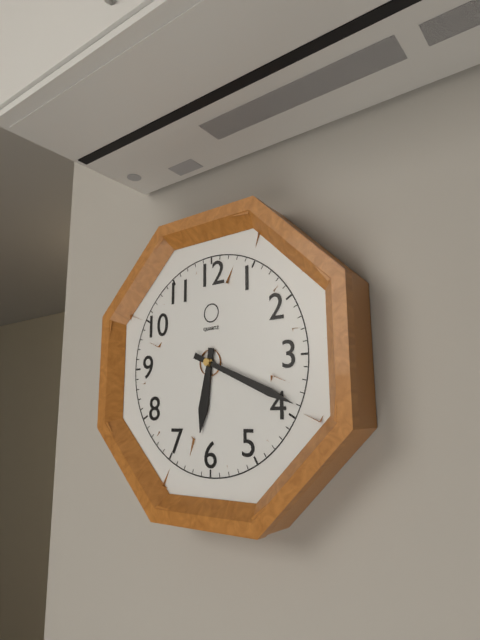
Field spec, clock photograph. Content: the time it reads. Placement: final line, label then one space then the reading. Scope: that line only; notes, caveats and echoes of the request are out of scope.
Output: 6:19
